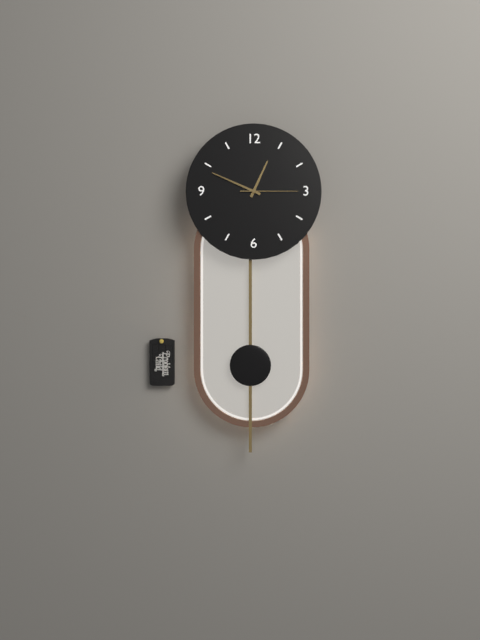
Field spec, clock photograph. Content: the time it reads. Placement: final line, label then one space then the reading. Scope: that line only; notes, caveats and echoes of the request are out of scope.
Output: 12:49:15
